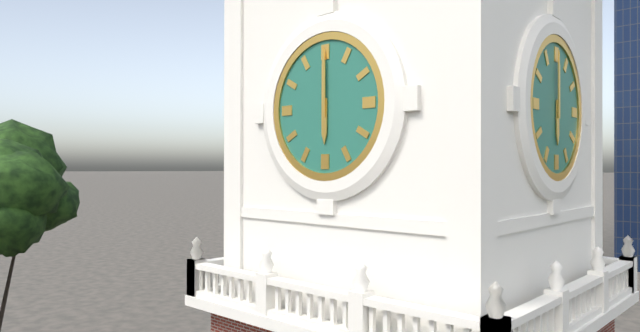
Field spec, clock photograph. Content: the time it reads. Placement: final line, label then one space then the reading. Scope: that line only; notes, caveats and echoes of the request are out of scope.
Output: 6:00
